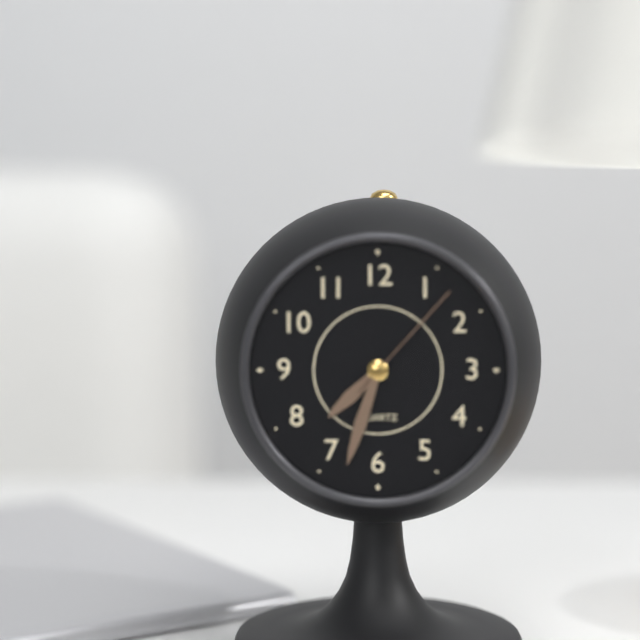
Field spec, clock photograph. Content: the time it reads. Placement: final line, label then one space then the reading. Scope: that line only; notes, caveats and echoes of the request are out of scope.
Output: 7:33:07
